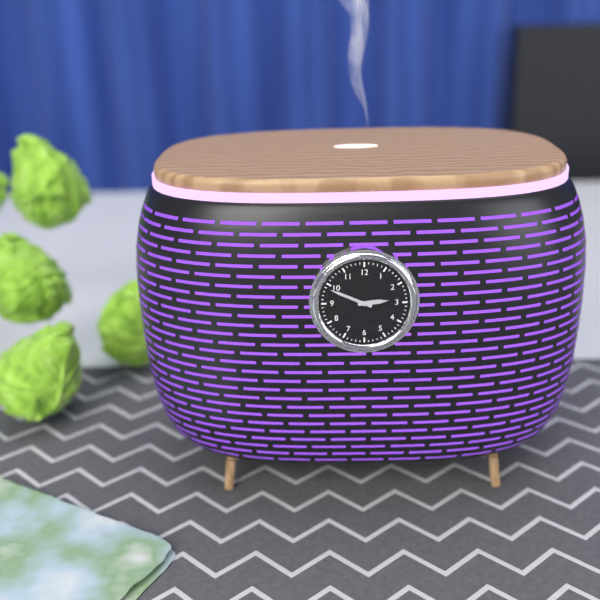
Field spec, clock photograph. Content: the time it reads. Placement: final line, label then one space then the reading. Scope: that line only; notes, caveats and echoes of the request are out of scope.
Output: 2:49
